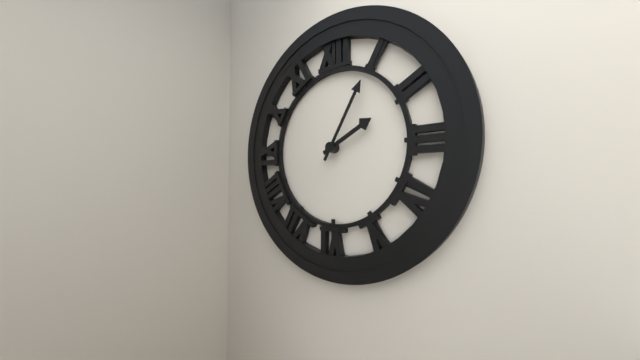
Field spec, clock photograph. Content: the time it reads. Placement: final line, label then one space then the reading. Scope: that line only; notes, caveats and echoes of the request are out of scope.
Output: 2:05
